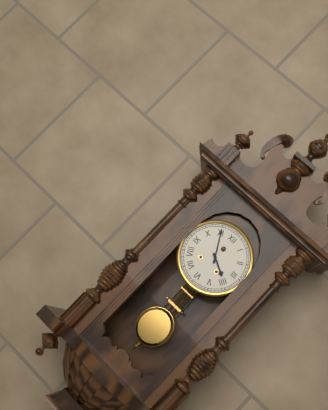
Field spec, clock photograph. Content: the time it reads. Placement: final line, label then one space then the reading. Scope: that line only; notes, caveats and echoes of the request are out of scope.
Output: 3:55
